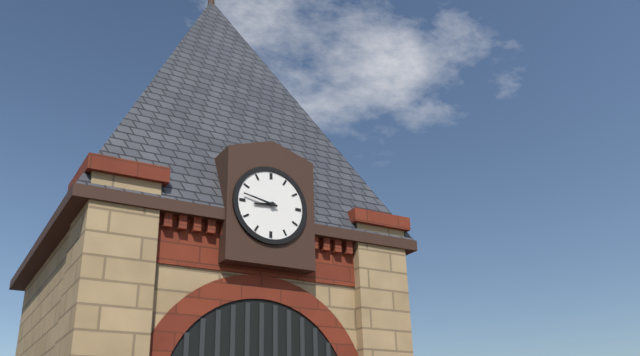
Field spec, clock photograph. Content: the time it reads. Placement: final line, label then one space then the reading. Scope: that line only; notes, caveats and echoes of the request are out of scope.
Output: 8:47
